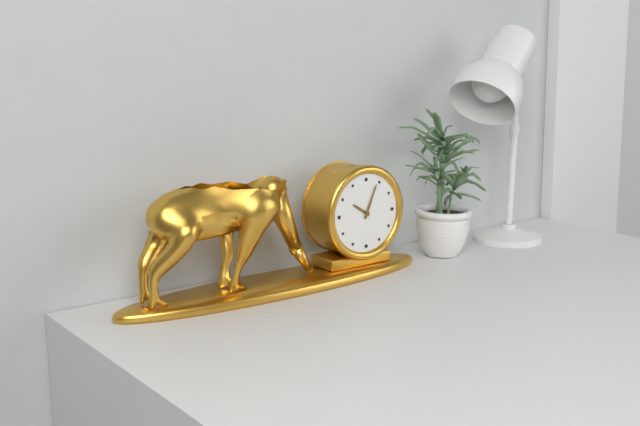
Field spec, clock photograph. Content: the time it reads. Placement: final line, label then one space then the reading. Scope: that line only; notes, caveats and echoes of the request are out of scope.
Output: 10:04
